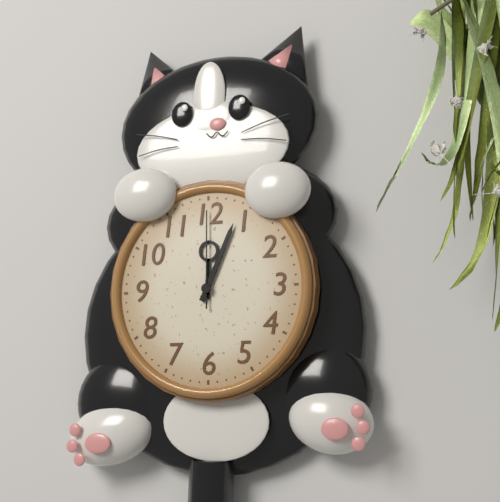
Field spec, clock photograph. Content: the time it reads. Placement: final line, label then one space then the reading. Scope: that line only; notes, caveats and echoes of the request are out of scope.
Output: 12:04:00
